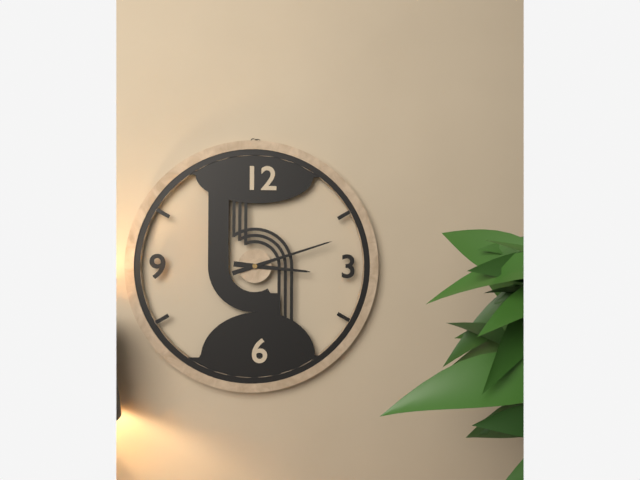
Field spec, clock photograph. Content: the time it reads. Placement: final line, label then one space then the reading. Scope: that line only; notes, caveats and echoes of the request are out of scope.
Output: 3:12
